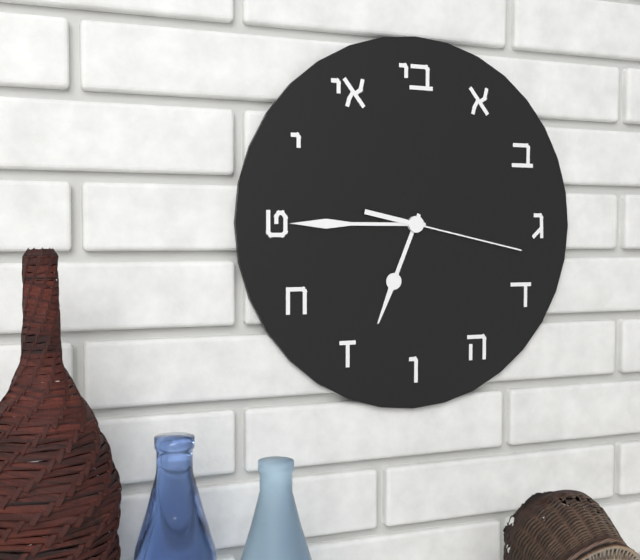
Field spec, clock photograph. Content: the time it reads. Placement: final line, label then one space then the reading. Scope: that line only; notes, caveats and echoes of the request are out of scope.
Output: 6:45:17
